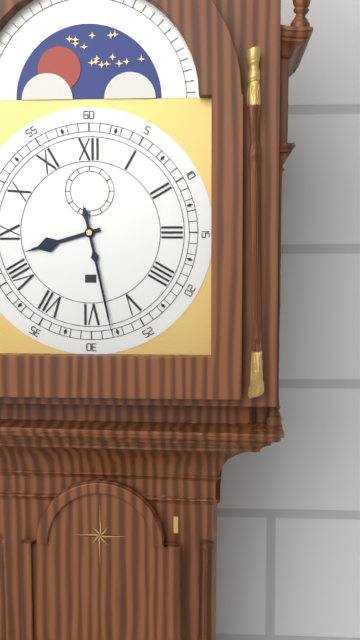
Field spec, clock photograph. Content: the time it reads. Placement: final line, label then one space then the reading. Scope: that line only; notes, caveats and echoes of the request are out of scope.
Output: 8:28
